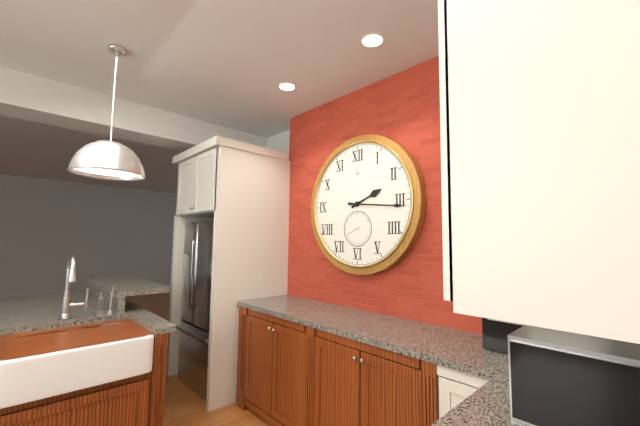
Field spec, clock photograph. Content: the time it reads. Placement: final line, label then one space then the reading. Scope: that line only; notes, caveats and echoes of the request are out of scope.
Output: 2:16
